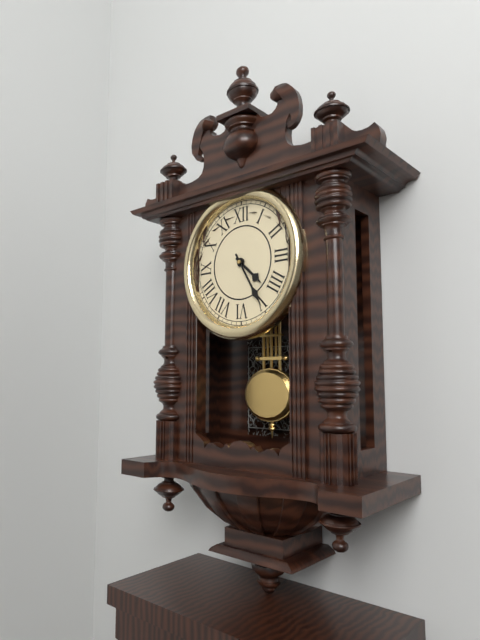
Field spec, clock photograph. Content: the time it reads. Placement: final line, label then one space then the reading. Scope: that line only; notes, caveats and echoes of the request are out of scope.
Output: 4:25
